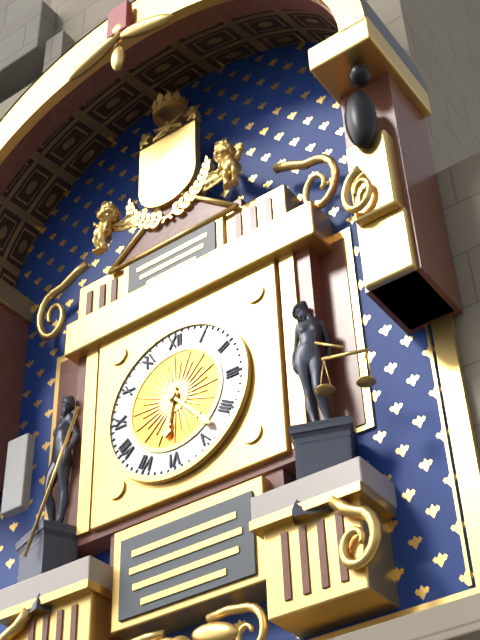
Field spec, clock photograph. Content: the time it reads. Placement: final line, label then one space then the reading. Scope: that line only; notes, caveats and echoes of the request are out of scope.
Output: 6:23
